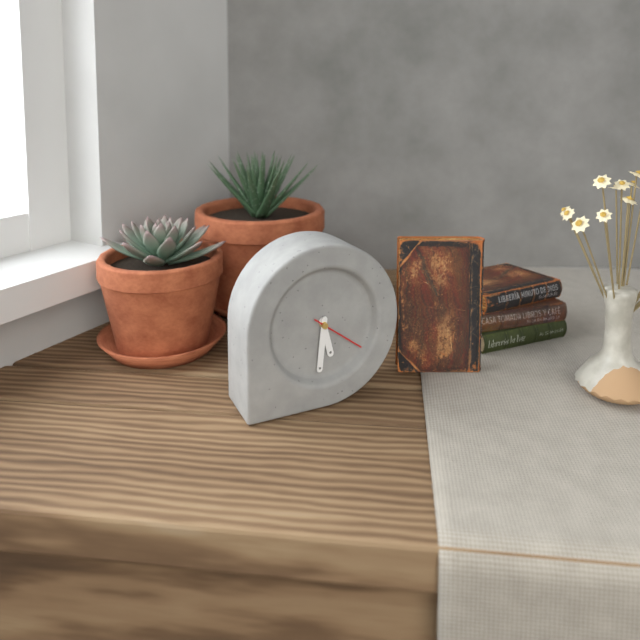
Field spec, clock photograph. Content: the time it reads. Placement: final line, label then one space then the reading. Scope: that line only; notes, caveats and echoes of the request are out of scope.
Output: 5:31:21
